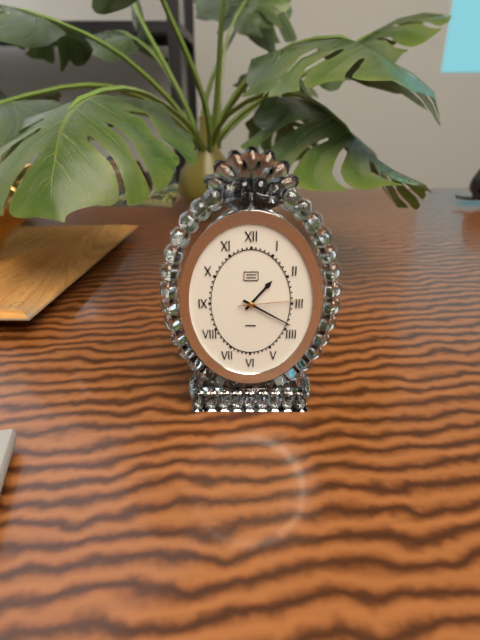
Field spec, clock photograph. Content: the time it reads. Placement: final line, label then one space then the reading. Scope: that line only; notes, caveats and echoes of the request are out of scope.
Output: 1:20:14
